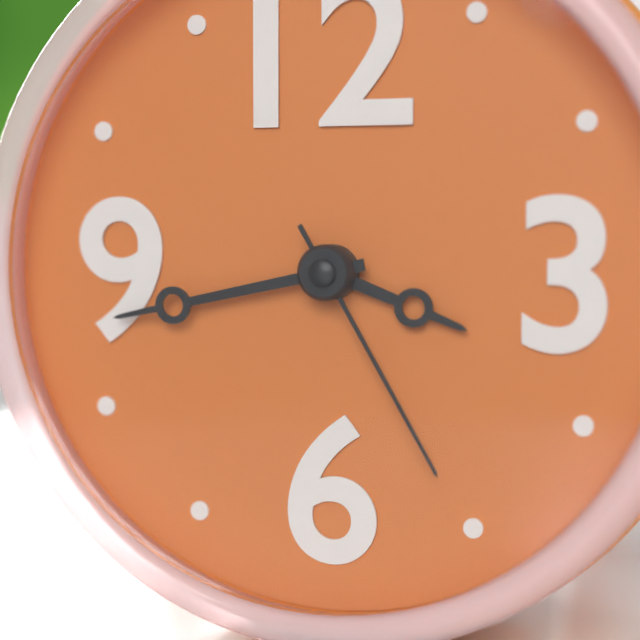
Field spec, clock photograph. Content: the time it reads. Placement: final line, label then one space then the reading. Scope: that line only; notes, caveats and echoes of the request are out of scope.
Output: 3:43:25
